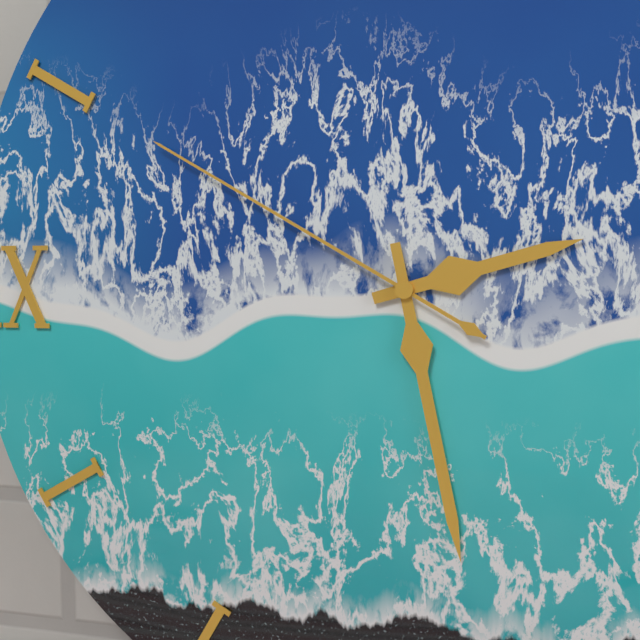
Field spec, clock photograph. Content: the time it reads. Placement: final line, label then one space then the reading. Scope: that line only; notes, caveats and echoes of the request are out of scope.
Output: 2:28:50
